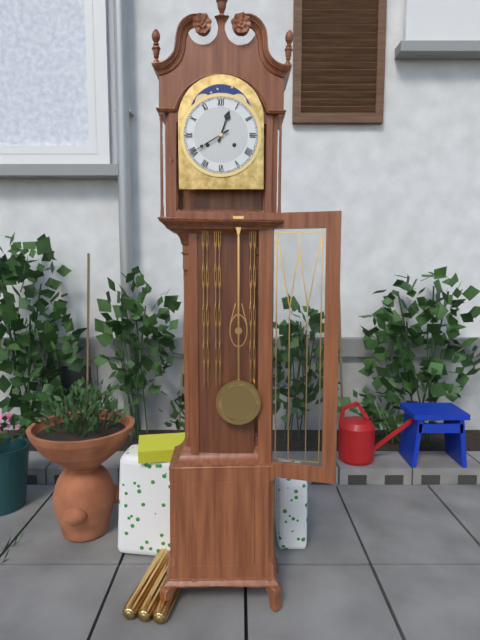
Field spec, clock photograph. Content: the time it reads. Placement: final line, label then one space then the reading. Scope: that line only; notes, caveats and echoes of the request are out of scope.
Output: 12:40
